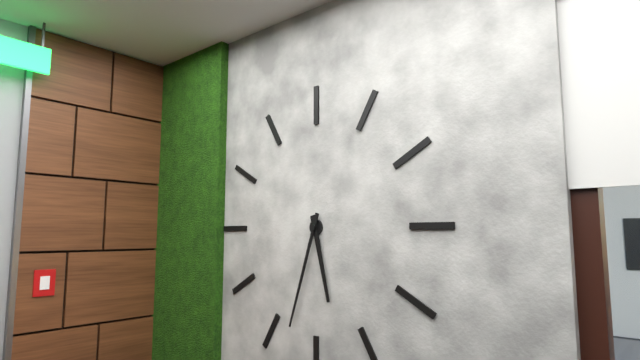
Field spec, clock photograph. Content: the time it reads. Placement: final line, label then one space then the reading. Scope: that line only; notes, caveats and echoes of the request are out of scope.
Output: 5:33
